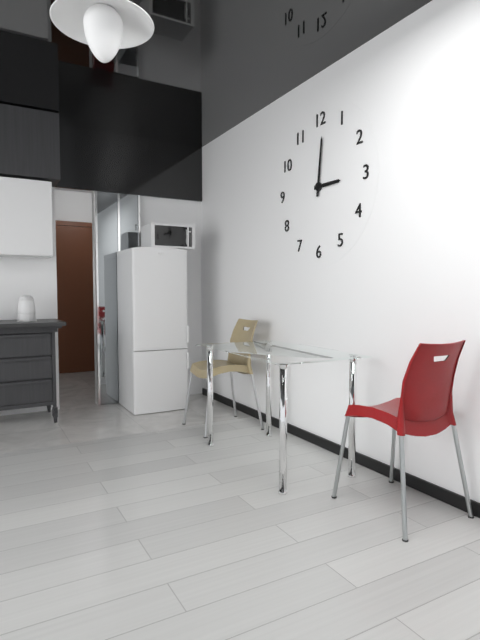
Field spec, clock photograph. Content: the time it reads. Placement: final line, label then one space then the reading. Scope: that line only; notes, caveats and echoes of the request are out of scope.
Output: 3:01
